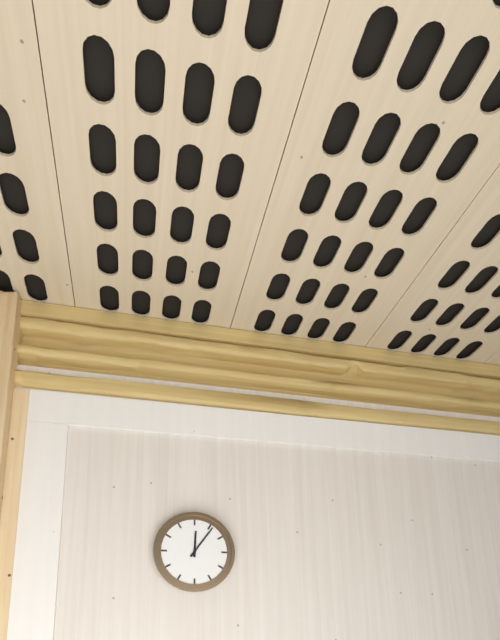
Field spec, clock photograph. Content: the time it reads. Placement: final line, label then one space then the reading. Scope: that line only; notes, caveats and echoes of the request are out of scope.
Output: 12:06
